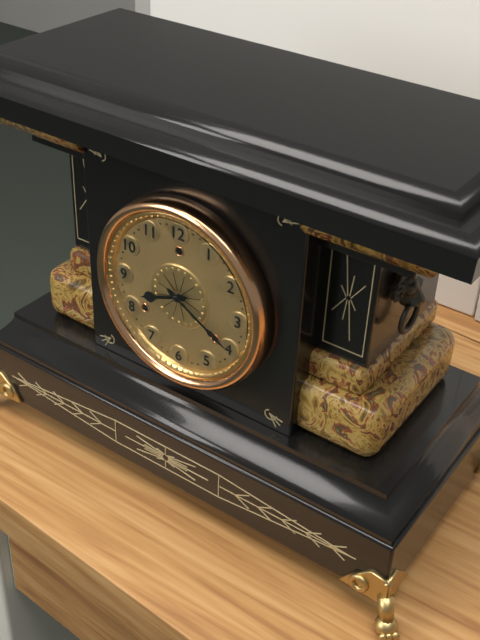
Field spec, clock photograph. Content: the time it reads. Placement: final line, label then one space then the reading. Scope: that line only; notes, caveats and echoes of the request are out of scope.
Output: 8:20
